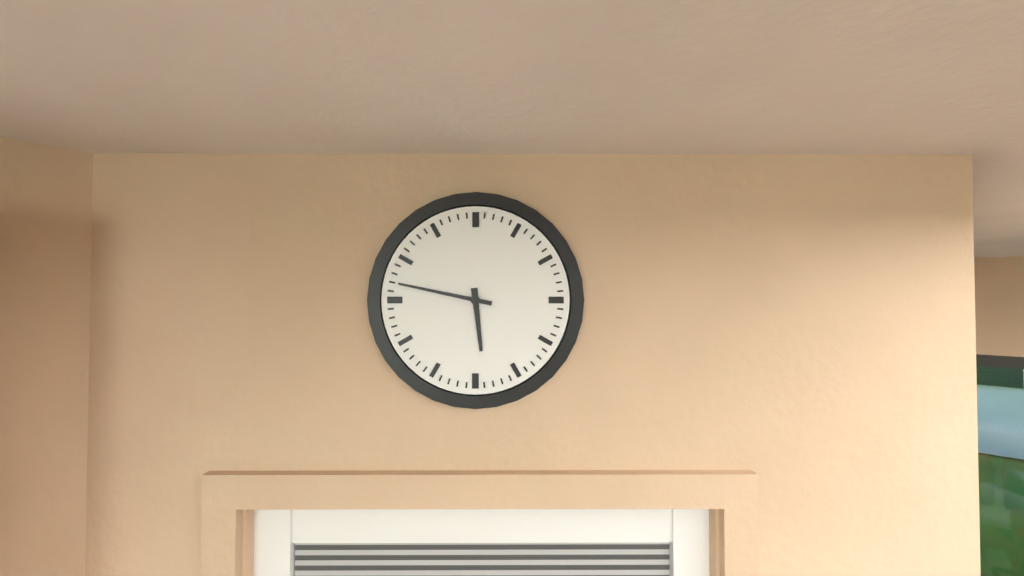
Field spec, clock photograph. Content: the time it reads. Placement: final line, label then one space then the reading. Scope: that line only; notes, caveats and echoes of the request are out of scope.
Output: 5:47
